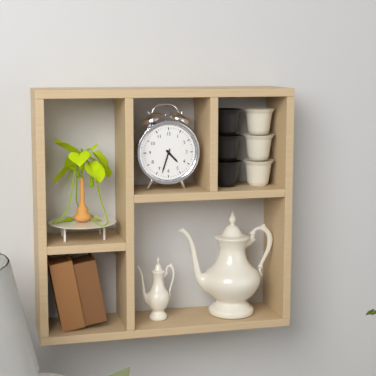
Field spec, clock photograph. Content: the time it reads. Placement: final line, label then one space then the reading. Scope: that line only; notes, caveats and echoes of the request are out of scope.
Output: 4:33
